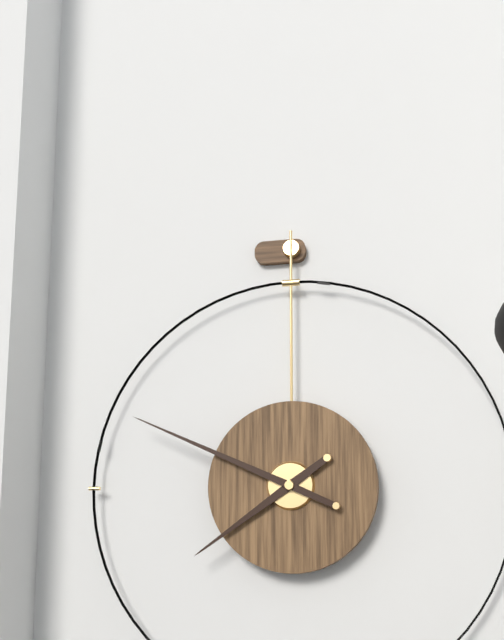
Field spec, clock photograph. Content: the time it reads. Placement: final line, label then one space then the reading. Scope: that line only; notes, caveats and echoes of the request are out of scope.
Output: 7:49
